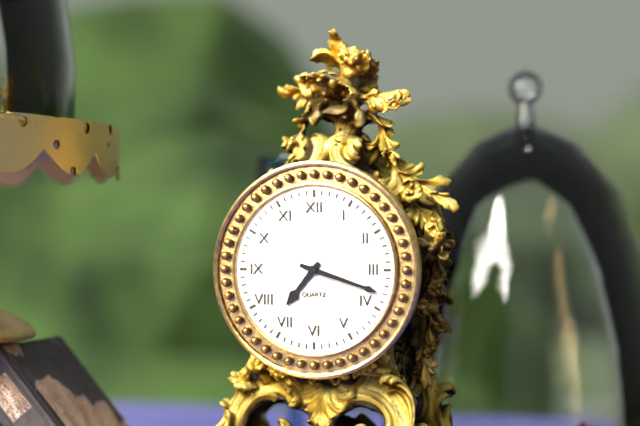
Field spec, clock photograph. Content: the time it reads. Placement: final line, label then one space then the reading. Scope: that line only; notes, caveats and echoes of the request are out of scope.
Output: 7:18
